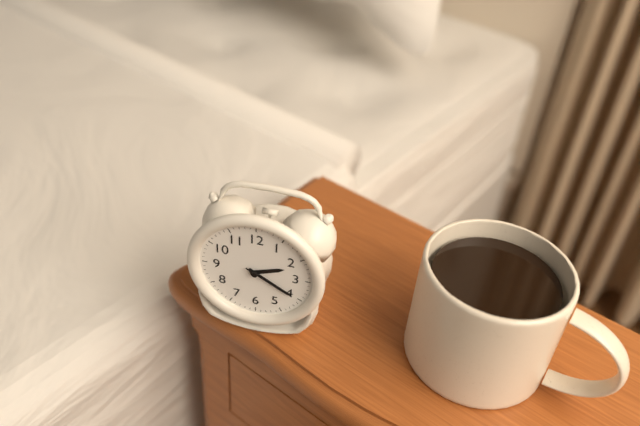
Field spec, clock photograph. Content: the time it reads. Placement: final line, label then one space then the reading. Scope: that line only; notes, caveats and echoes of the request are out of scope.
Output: 2:20
